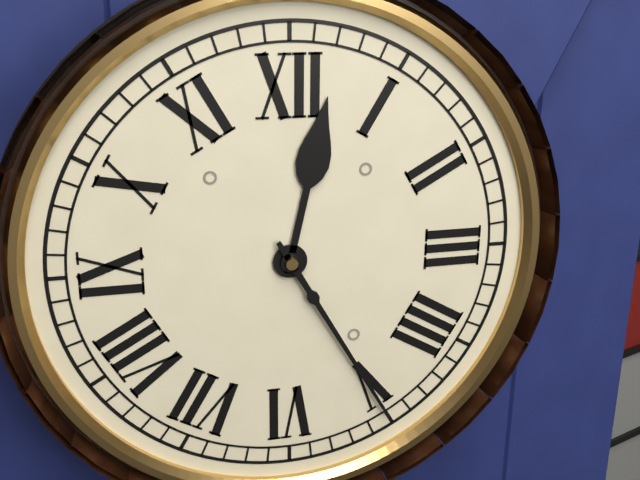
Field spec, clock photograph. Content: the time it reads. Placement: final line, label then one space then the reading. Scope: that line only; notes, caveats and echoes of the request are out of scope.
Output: 12:25
